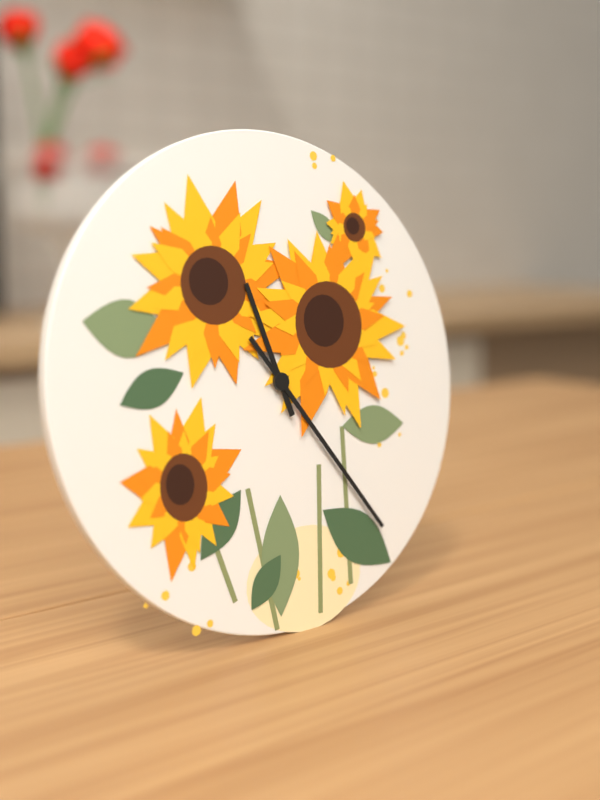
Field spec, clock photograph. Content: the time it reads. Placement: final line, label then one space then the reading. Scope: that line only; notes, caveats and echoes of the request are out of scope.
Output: 11:24
